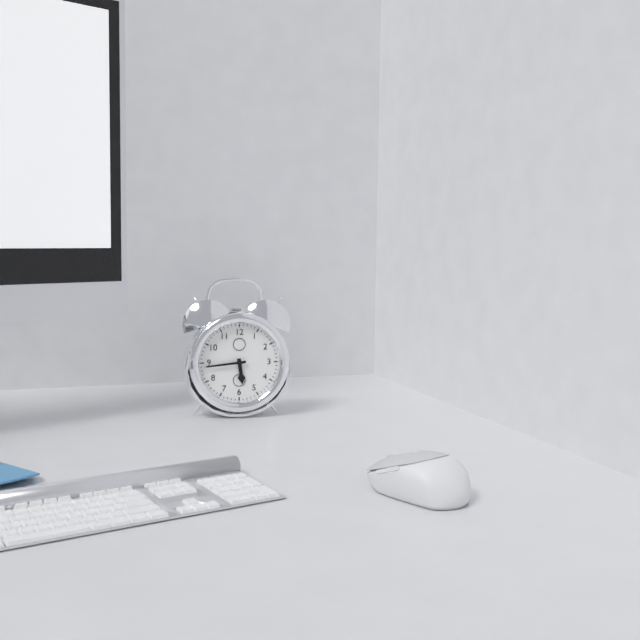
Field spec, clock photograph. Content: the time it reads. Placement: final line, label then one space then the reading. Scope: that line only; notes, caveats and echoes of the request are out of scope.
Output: 5:44
